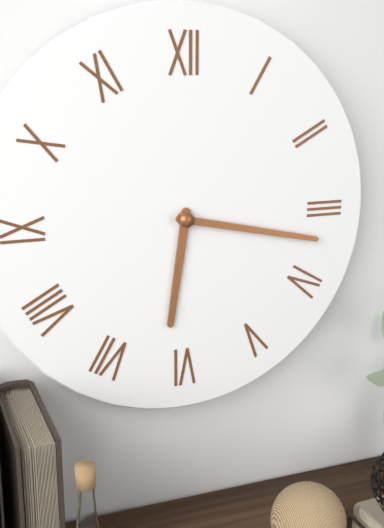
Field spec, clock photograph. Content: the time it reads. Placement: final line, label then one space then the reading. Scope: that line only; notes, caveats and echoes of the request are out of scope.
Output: 6:17
